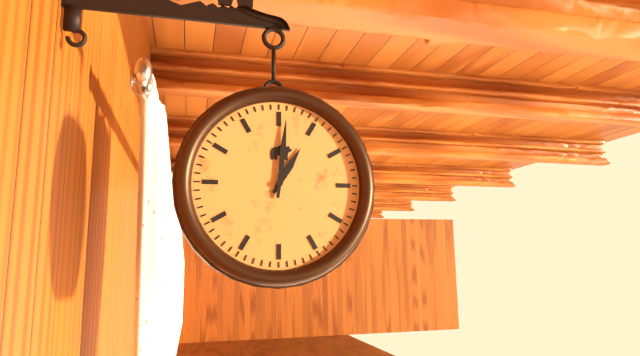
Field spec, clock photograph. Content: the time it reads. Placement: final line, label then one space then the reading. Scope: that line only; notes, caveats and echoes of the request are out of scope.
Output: 1:01
